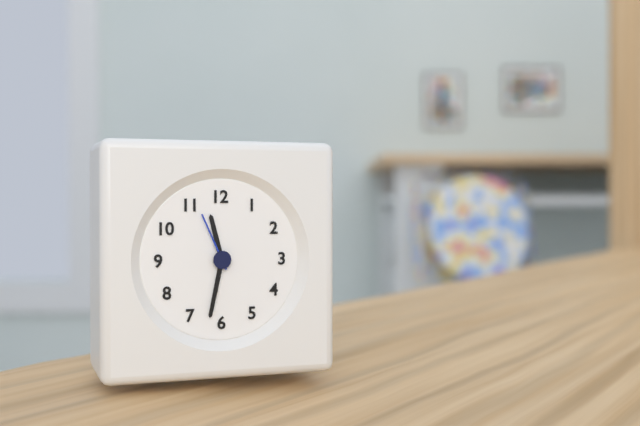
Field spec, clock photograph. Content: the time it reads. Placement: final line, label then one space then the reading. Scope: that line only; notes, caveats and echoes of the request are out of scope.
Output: 11:32:56
